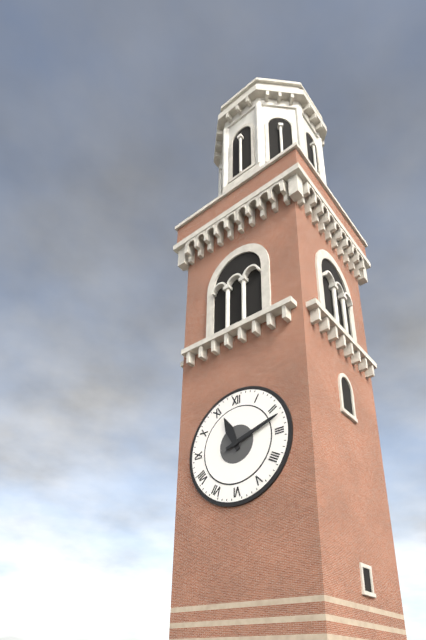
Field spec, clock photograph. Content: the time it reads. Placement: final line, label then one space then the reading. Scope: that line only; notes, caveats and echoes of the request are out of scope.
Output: 11:12
